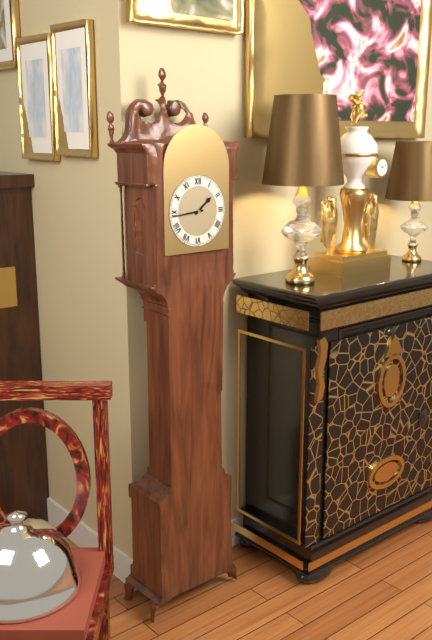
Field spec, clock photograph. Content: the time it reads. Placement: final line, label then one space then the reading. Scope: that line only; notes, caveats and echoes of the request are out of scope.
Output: 1:44
